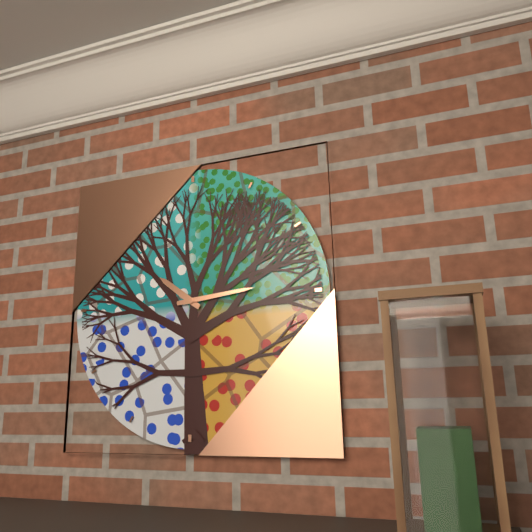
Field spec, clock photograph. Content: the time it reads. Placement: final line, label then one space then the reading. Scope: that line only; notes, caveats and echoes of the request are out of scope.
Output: 10:14
